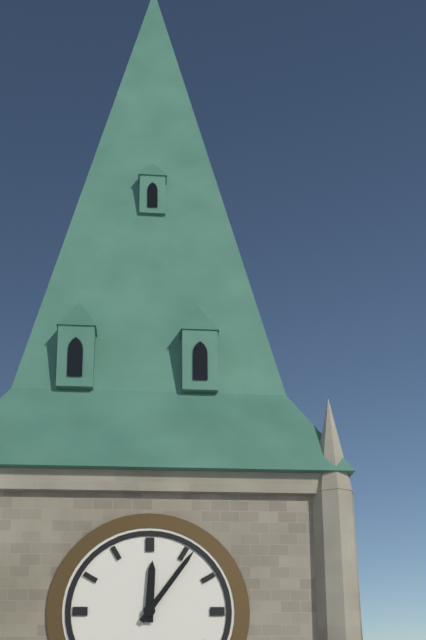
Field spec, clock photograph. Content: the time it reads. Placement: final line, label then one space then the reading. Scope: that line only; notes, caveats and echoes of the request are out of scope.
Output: 12:06
